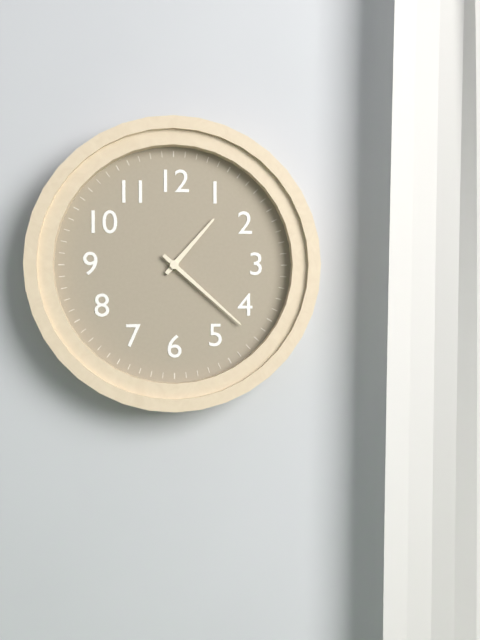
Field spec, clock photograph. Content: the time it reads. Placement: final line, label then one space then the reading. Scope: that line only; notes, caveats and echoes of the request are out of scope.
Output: 1:22
